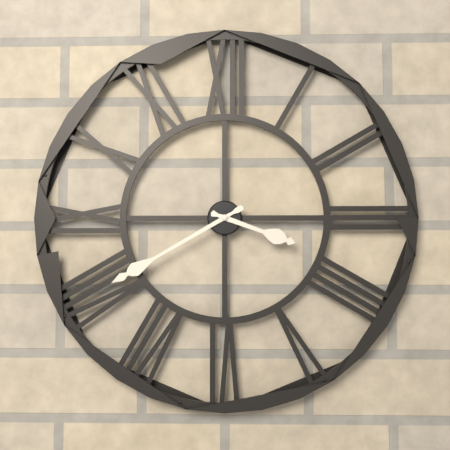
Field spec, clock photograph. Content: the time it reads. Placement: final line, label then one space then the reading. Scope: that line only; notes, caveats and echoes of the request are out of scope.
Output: 3:40
